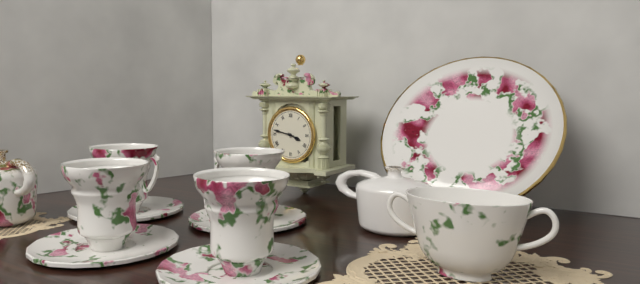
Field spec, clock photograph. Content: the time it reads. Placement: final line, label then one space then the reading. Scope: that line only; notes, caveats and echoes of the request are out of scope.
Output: 3:47
